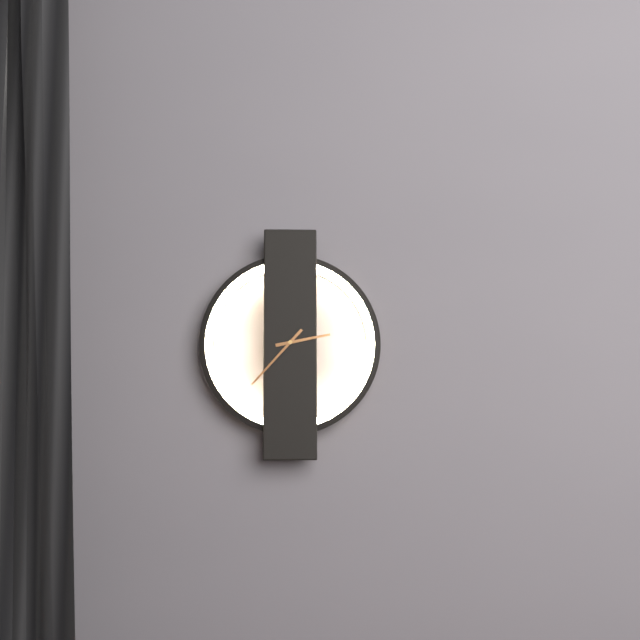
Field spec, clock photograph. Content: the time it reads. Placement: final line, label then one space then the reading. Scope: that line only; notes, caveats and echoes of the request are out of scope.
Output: 2:37
